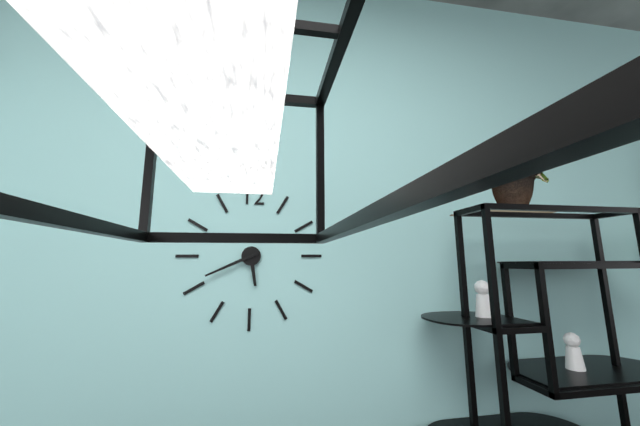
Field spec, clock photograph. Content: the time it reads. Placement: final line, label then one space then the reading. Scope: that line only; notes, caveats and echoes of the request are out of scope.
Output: 5:41
